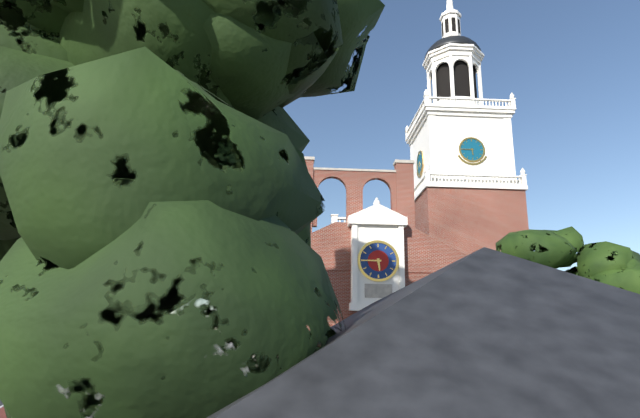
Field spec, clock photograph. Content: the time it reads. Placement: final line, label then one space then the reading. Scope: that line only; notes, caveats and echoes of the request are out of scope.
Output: 5:45
